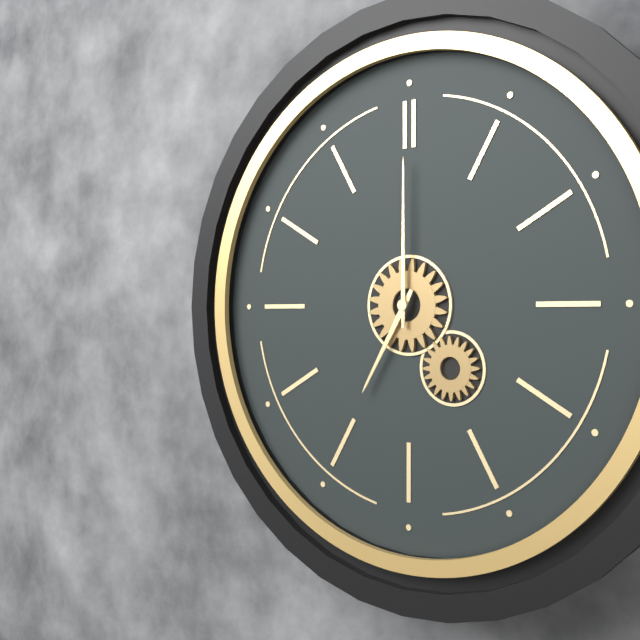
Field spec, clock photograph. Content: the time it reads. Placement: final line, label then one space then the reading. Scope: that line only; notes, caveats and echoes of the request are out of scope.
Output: 7:00
